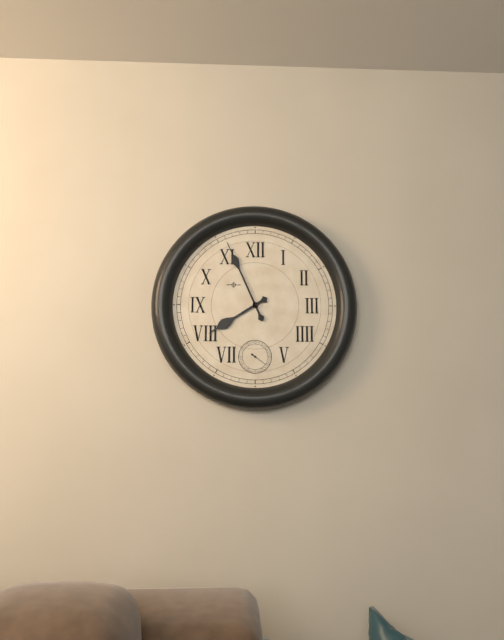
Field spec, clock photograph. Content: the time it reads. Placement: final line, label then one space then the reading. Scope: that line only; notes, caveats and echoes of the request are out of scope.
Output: 7:56
